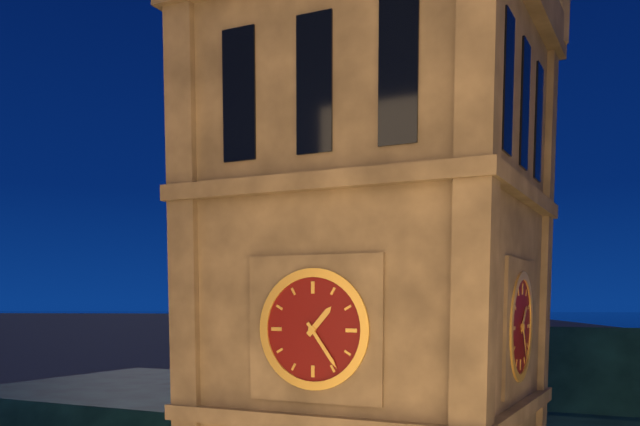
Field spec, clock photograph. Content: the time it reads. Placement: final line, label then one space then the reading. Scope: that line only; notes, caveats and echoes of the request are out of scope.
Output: 1:24
